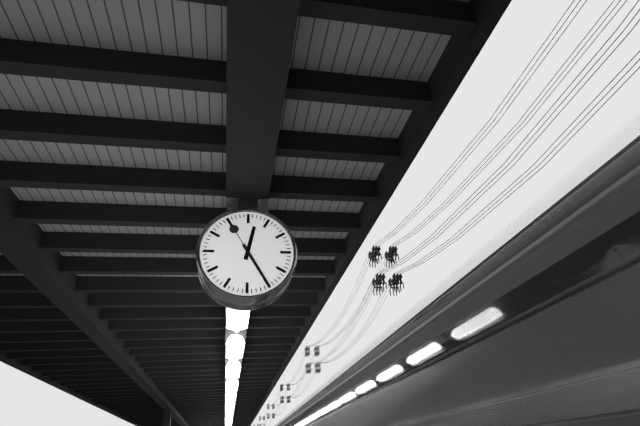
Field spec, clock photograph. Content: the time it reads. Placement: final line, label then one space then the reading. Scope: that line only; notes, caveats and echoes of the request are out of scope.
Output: 12:25
